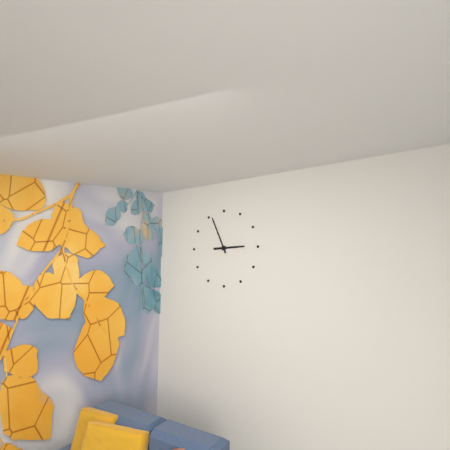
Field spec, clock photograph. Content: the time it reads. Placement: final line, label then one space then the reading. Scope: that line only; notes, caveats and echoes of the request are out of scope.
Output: 2:56
